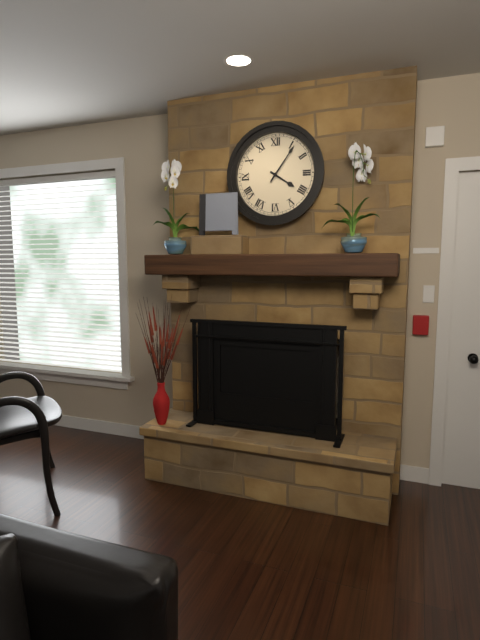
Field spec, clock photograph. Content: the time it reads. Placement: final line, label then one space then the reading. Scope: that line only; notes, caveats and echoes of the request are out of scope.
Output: 4:06
